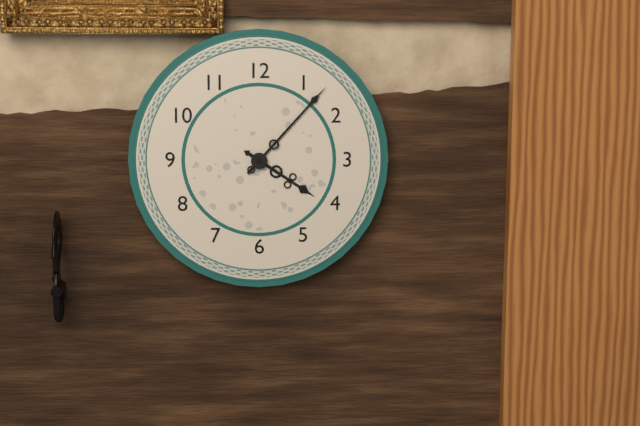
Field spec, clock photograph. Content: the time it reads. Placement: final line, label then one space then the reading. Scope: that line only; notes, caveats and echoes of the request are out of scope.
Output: 4:07
